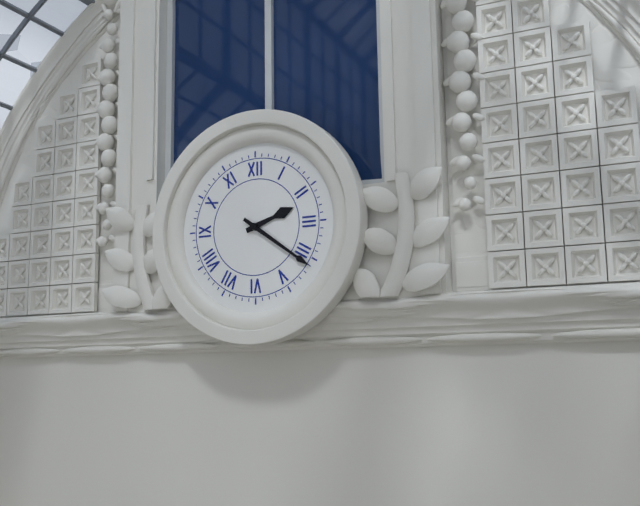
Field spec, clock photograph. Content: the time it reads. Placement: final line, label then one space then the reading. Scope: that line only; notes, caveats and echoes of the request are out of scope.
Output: 2:21
